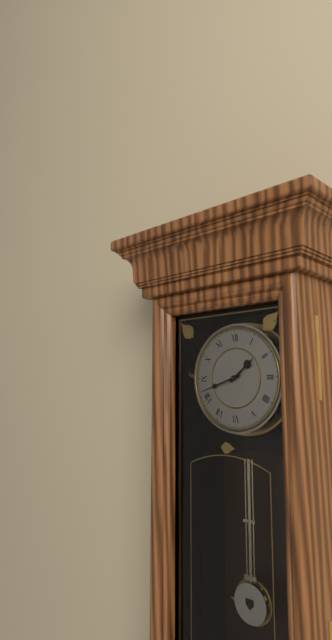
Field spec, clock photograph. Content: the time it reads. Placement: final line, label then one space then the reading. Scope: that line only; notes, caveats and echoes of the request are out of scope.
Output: 1:42
